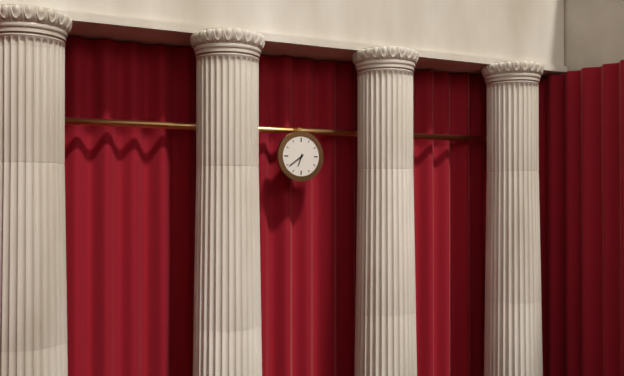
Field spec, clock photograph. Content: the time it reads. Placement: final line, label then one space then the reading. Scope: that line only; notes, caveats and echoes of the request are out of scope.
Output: 6:39
